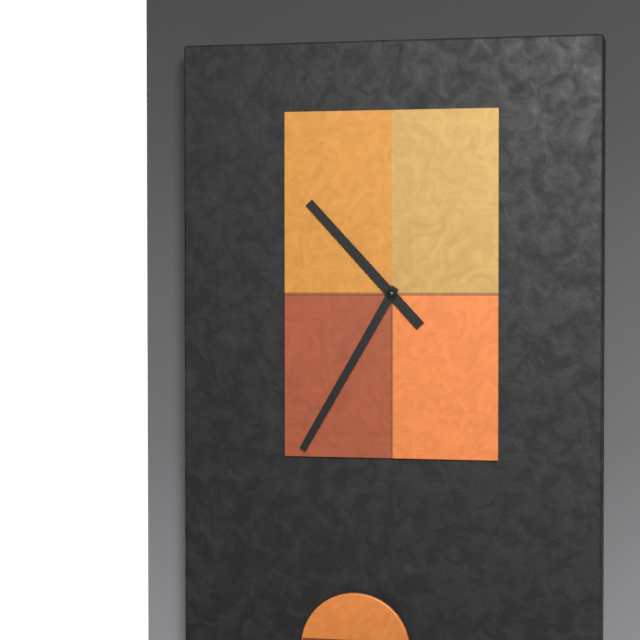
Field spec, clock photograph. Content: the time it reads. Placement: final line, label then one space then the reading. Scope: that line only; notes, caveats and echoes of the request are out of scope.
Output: 10:35
